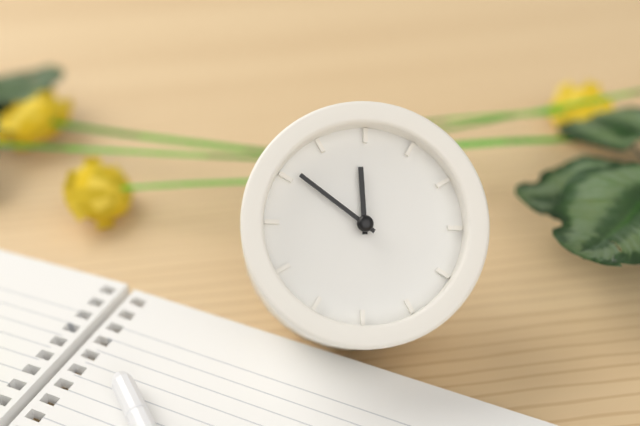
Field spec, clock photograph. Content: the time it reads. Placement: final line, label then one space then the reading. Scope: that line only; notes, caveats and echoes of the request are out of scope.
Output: 11:51
